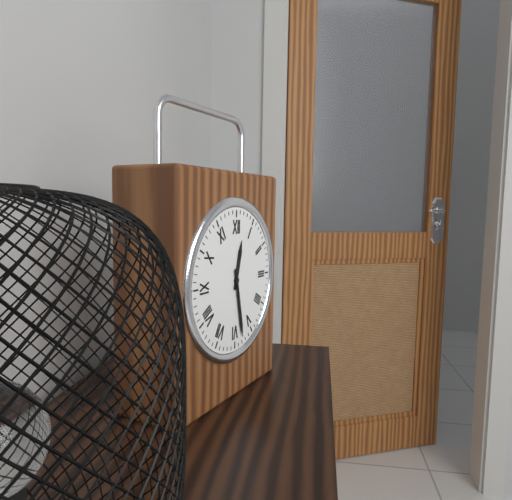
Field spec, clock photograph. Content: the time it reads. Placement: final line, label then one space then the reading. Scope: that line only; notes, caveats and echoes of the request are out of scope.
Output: 12:28
